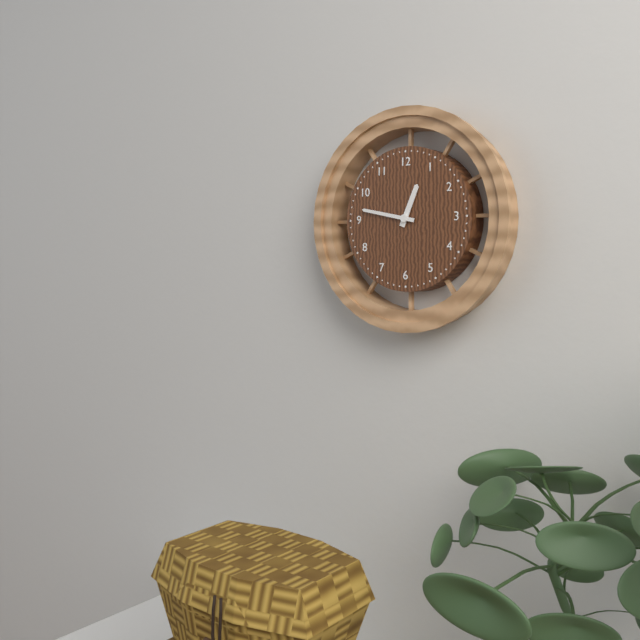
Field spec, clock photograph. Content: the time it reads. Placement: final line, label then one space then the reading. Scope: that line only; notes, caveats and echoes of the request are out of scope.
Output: 12:47
